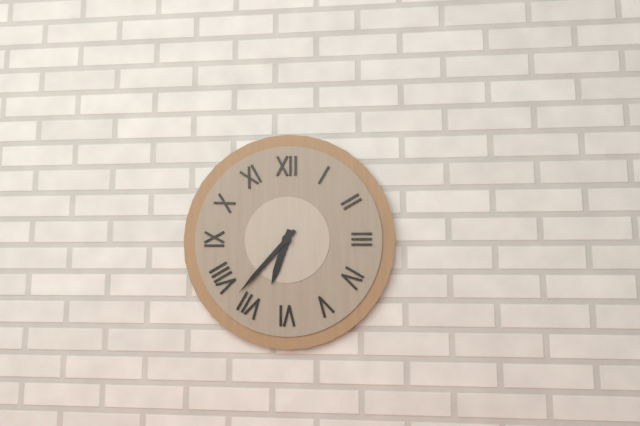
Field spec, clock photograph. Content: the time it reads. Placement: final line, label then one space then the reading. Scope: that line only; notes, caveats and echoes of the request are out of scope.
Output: 6:37
